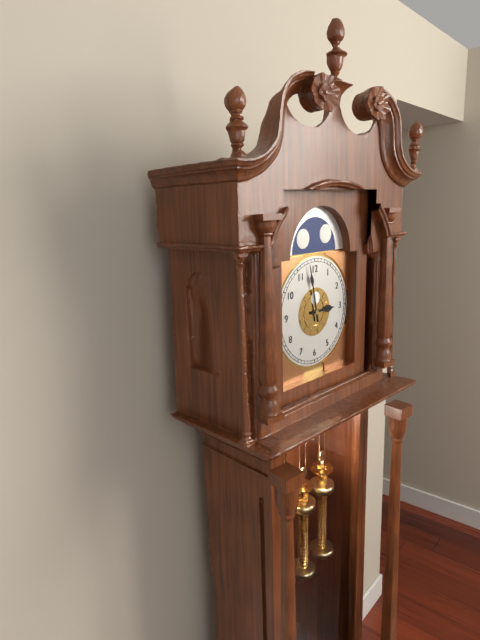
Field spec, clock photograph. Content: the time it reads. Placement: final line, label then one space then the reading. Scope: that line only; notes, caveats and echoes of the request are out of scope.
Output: 2:58
